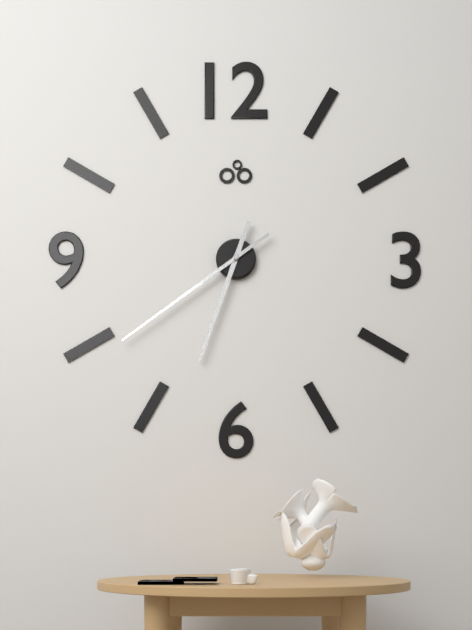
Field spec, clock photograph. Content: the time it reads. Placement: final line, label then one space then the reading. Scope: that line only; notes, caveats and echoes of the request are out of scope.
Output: 6:39
